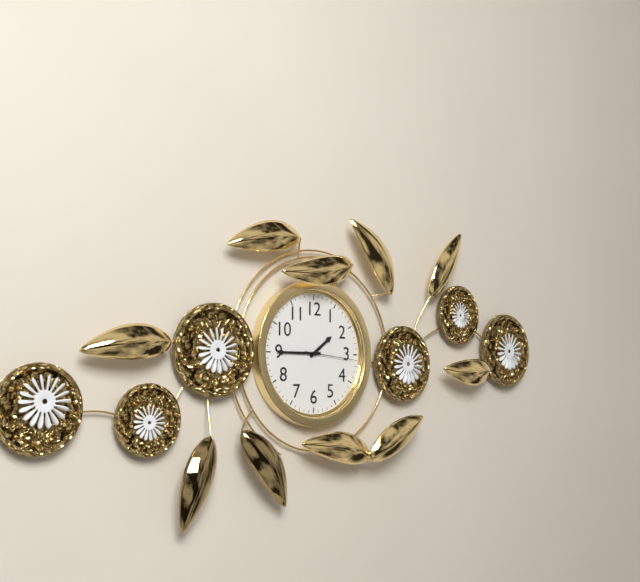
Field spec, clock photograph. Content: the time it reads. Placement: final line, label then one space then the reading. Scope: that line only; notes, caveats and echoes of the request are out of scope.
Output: 1:45
